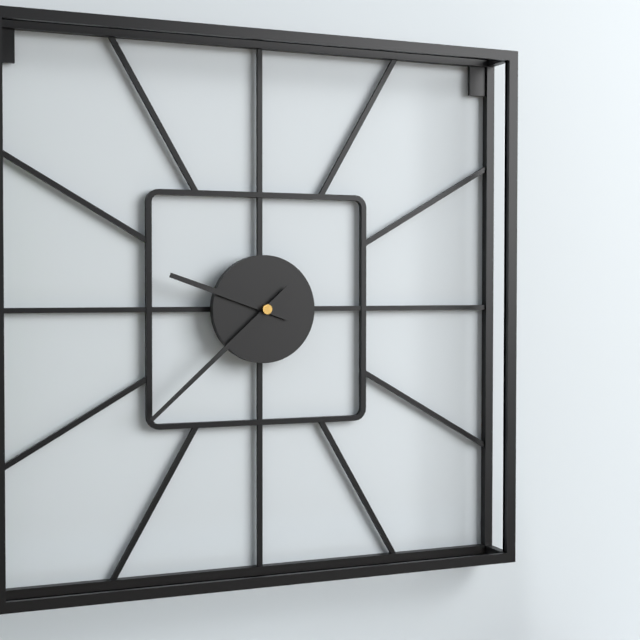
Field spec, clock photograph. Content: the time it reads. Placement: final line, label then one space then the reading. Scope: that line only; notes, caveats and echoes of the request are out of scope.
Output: 9:38
